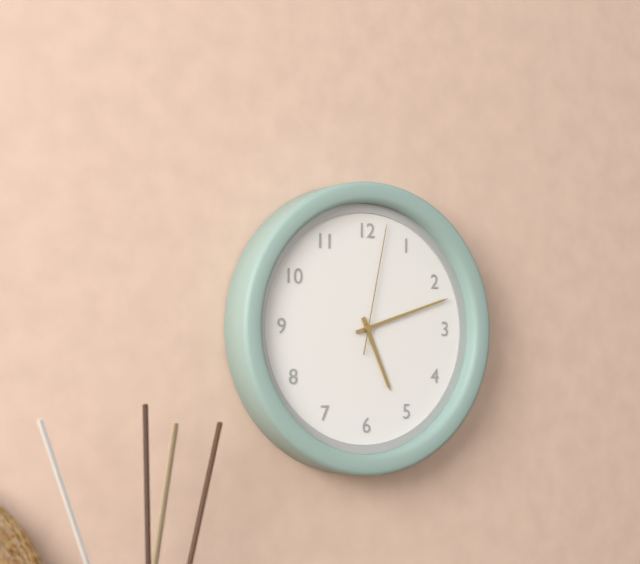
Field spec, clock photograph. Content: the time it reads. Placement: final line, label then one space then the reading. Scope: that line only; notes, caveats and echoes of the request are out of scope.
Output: 5:12:02
